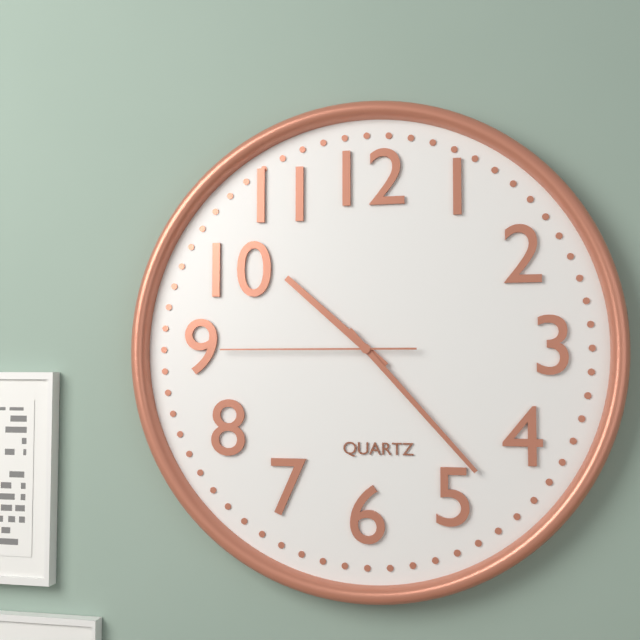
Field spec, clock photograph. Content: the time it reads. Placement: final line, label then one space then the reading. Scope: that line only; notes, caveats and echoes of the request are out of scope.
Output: 10:23:45
